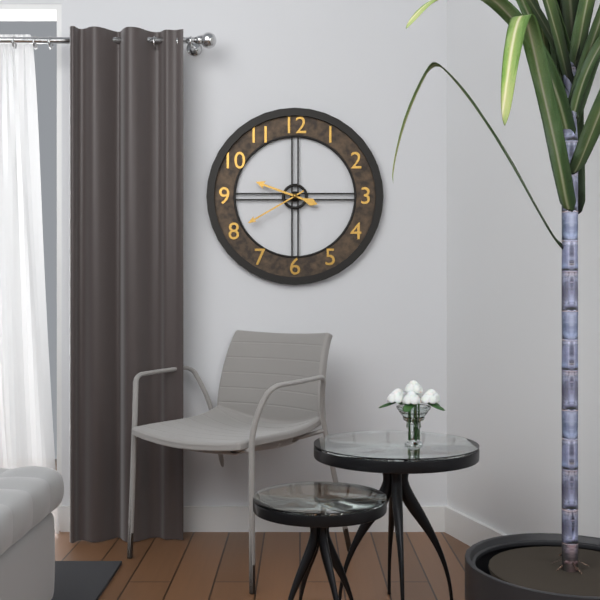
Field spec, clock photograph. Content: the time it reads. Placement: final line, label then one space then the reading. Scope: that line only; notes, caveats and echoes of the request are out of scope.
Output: 9:40
